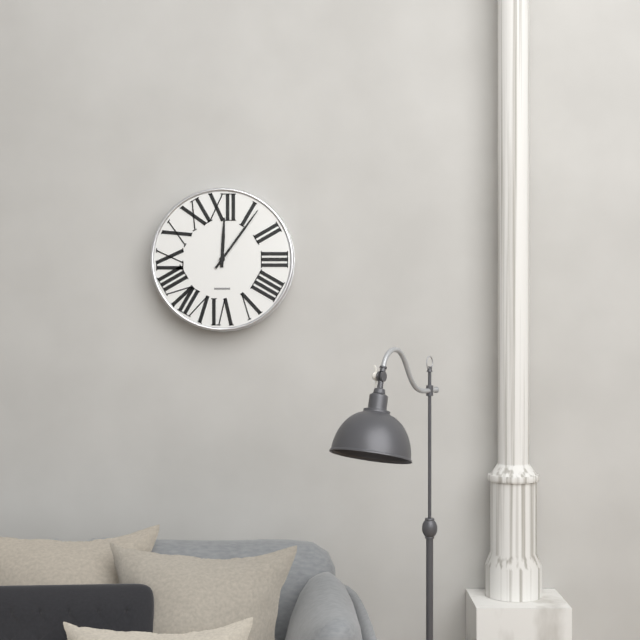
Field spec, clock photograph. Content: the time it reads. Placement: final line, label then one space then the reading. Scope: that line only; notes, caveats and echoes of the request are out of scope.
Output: 12:06
